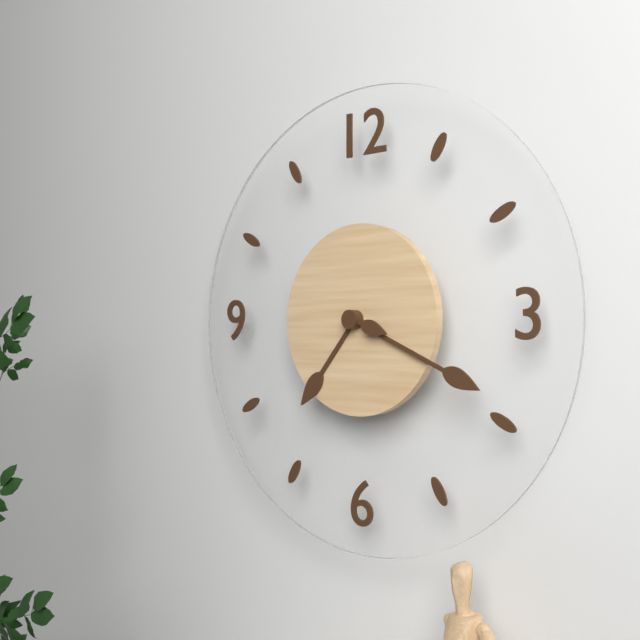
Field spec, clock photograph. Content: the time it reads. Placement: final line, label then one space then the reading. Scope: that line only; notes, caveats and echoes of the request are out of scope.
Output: 7:19
